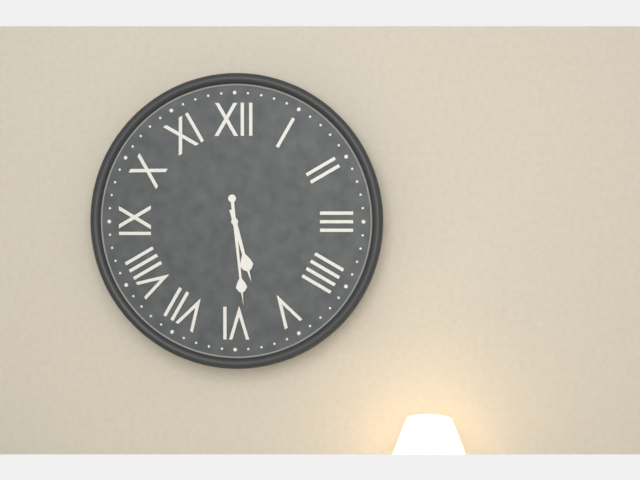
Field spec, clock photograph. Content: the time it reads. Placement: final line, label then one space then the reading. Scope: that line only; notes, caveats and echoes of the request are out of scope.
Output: 5:29
